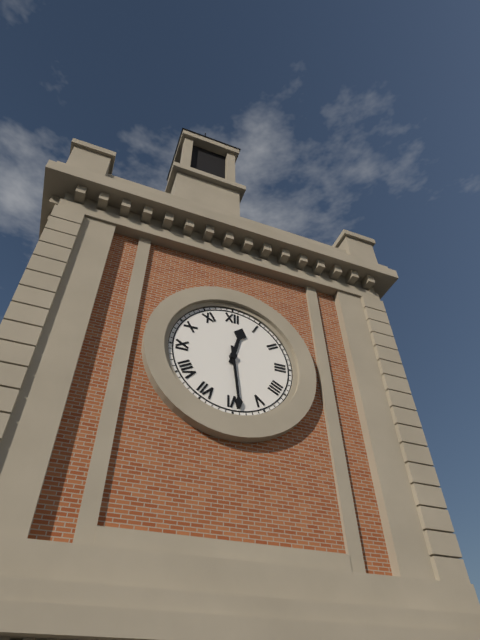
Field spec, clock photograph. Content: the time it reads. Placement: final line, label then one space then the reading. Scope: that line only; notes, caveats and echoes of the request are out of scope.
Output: 12:29
